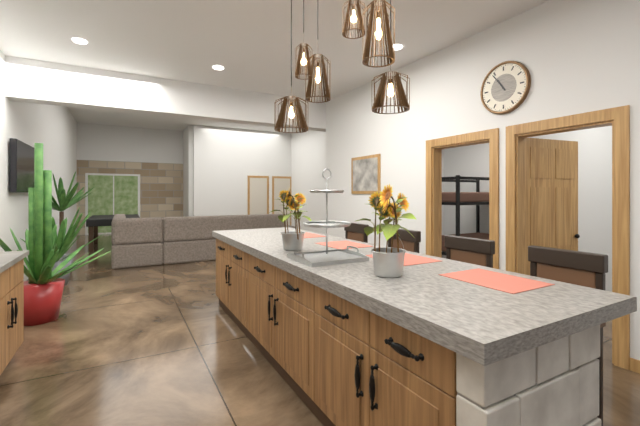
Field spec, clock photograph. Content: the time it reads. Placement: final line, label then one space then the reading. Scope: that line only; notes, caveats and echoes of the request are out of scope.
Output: 10:54
